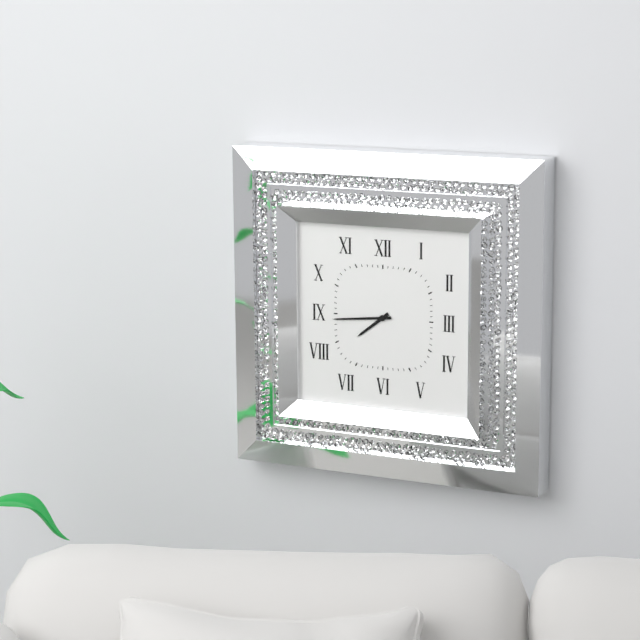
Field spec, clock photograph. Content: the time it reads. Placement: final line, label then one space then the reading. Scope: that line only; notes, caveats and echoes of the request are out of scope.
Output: 7:44
